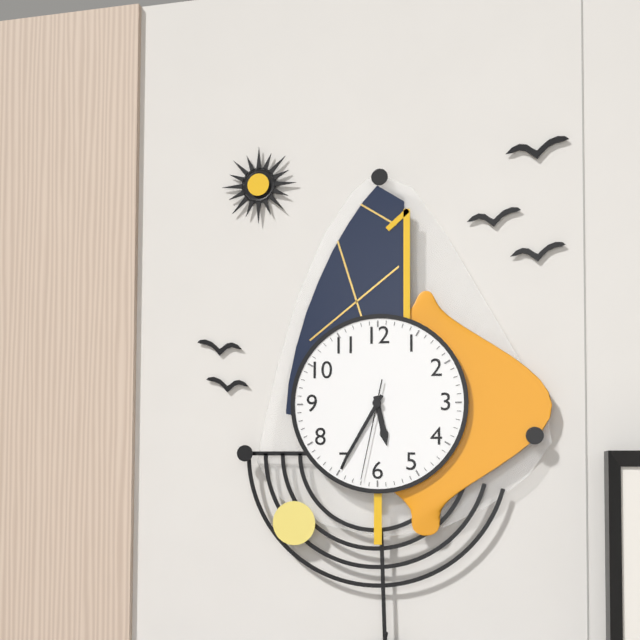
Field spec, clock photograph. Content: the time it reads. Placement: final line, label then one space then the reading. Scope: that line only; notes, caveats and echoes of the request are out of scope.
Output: 5:35:32
